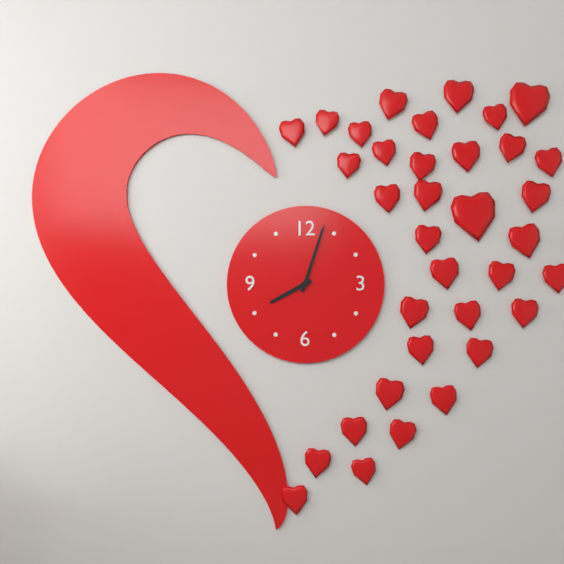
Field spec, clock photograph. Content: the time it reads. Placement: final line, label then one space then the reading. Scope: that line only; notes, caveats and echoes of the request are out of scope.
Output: 8:03
